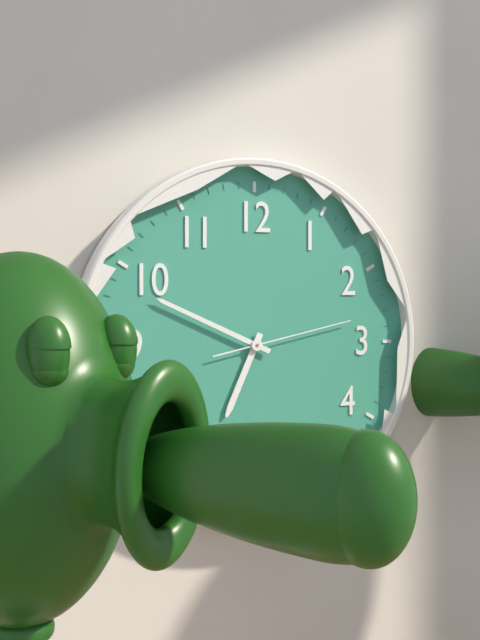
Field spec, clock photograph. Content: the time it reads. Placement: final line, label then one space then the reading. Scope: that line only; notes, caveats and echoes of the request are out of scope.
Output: 6:49:13
